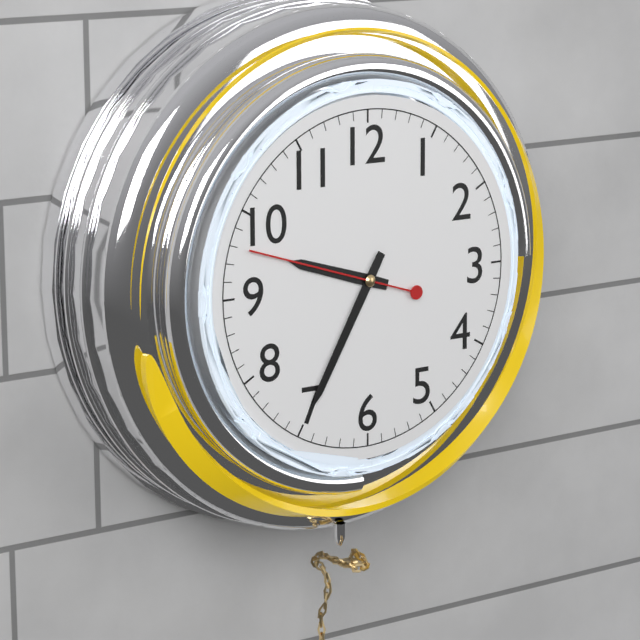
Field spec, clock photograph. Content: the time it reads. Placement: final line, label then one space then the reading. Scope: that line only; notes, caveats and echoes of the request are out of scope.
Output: 9:35:48
